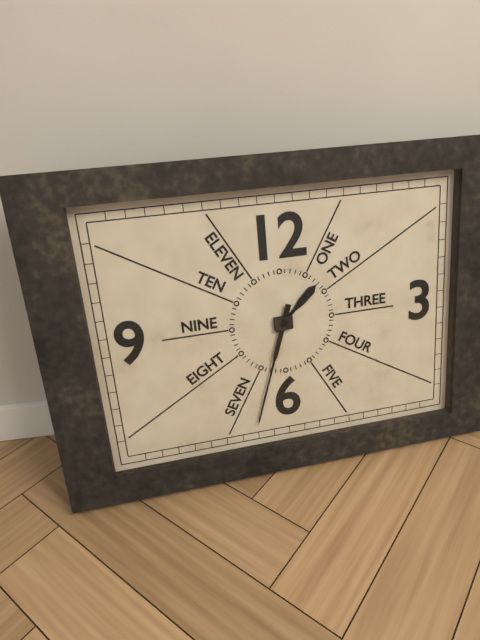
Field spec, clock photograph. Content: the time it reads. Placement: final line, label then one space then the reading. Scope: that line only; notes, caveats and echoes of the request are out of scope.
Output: 1:33
